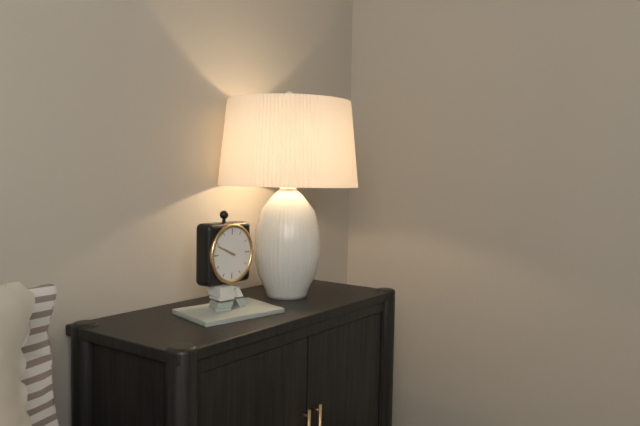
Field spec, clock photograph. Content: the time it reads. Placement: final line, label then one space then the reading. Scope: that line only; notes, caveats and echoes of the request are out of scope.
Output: 9:49
